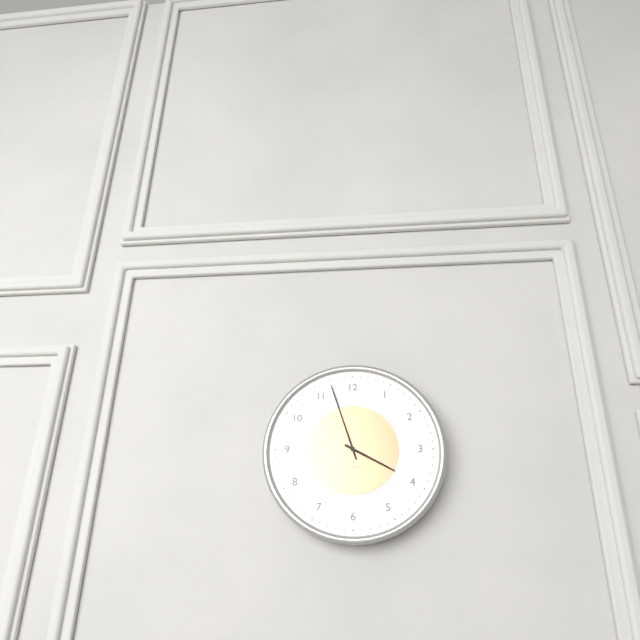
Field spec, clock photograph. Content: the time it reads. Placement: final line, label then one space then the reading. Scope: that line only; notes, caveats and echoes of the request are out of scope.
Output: 3:57
